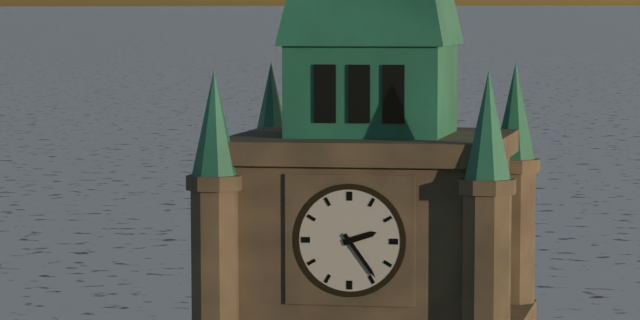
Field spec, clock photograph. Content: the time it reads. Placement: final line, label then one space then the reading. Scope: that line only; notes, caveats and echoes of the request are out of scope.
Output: 2:24
